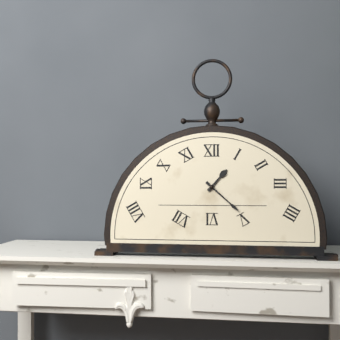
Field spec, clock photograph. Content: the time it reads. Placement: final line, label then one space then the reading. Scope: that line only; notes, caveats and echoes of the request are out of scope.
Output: 1:22
